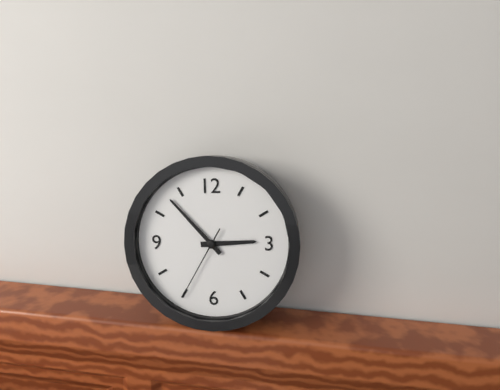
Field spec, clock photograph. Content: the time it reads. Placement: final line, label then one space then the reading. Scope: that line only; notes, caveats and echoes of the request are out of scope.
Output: 2:53:35
